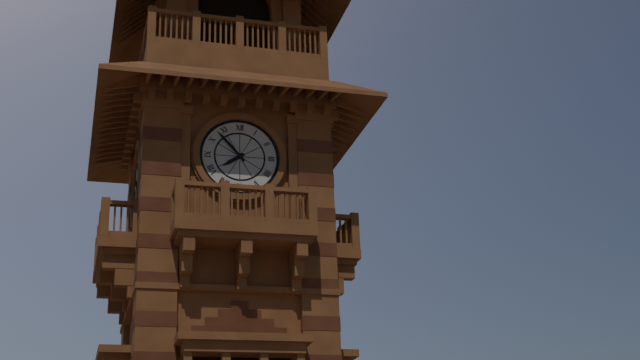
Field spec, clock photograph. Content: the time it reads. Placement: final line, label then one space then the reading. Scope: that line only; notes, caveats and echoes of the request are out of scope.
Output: 7:53
